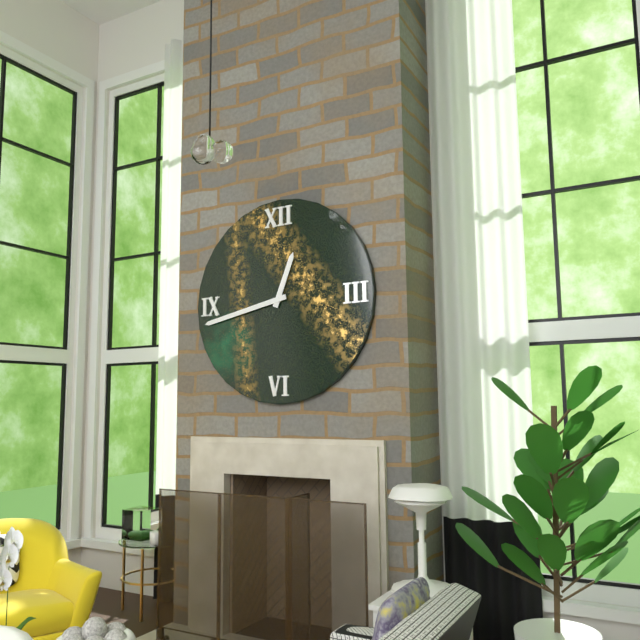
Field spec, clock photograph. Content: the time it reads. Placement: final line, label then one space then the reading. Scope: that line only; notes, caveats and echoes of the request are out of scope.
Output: 12:43
